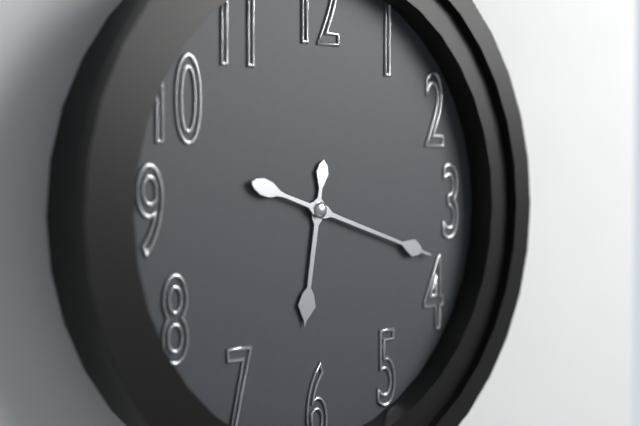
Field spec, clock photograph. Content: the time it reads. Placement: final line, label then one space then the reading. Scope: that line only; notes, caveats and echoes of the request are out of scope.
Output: 6:18
